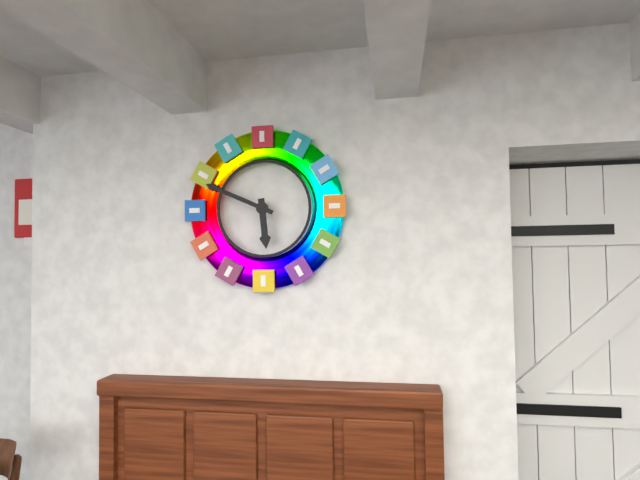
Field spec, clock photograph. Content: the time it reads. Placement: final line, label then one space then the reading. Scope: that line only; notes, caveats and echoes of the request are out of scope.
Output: 5:49
